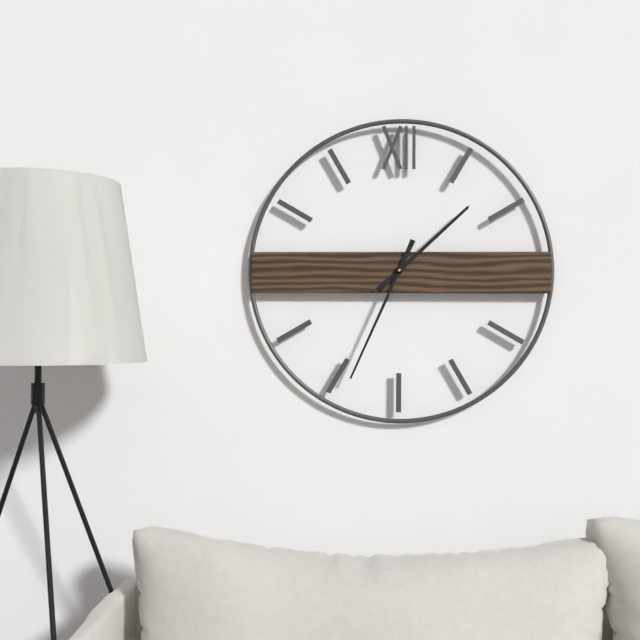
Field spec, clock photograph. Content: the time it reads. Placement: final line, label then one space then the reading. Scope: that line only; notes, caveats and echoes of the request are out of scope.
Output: 1:34
